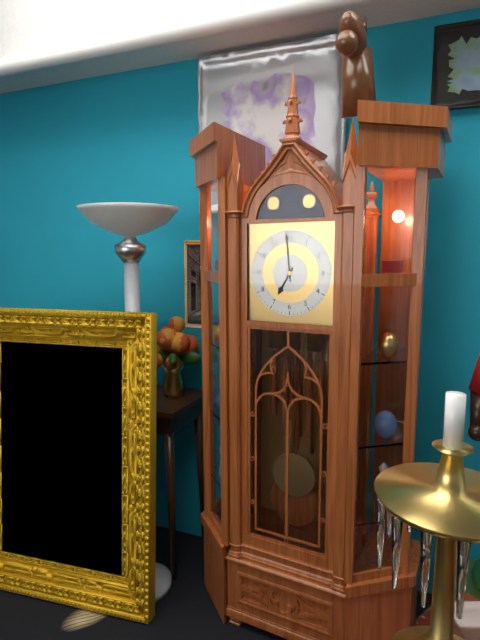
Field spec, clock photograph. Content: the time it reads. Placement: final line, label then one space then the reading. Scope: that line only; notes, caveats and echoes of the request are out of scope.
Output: 6:59
